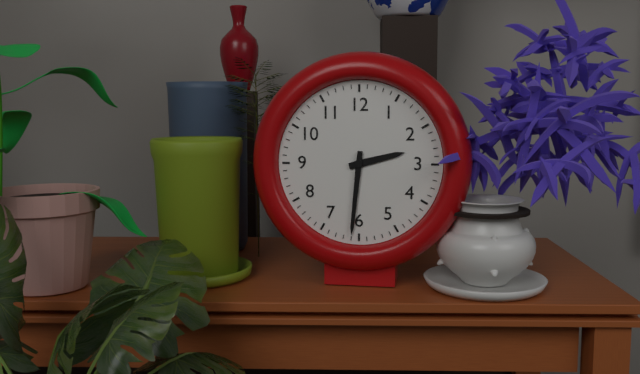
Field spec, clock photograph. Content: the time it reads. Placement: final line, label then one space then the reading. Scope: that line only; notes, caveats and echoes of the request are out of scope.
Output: 2:31
